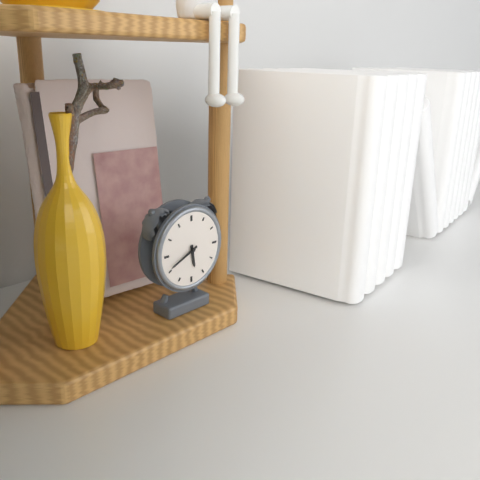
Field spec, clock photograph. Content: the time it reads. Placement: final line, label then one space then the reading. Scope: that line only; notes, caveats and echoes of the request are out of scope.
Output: 5:41
